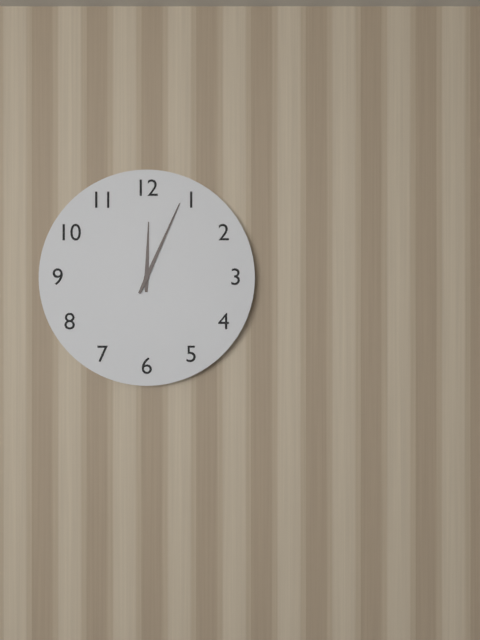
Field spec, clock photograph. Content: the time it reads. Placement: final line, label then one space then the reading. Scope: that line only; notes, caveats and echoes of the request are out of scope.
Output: 12:04
